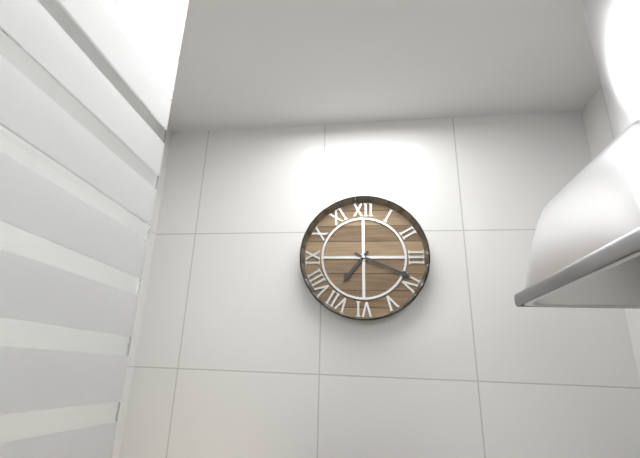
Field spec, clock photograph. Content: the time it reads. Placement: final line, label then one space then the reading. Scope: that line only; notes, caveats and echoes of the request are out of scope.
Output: 7:19
